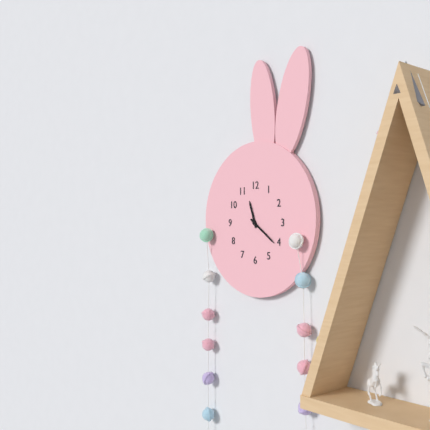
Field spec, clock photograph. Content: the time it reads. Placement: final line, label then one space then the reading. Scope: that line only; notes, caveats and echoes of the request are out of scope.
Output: 11:21
